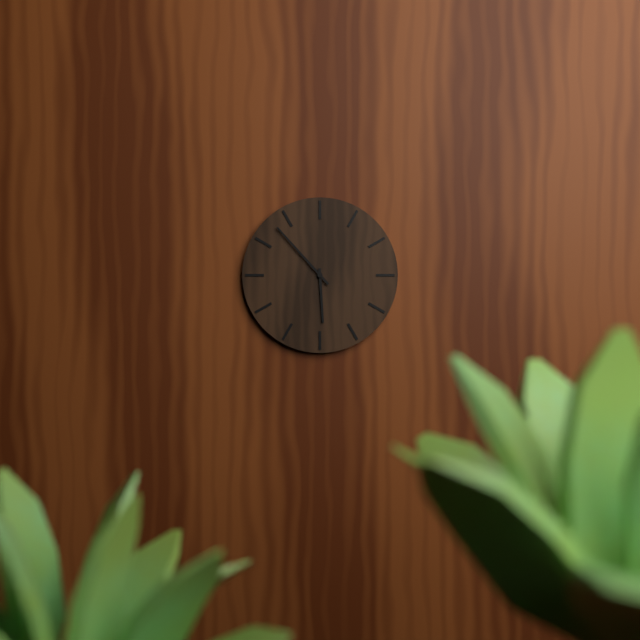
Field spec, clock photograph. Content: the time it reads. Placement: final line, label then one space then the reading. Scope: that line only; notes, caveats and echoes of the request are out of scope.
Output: 5:53
